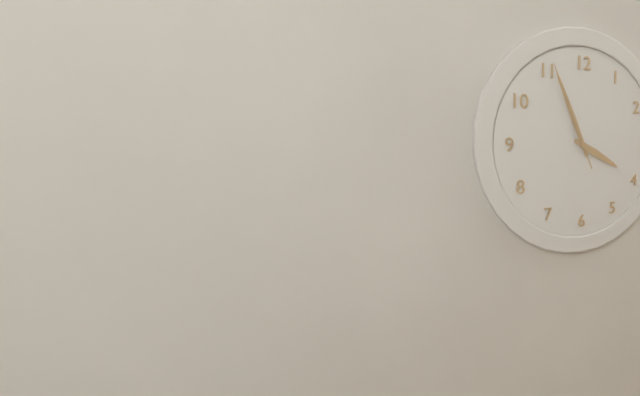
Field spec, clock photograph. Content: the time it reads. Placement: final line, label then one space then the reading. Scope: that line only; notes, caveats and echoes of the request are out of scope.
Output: 3:56:56
